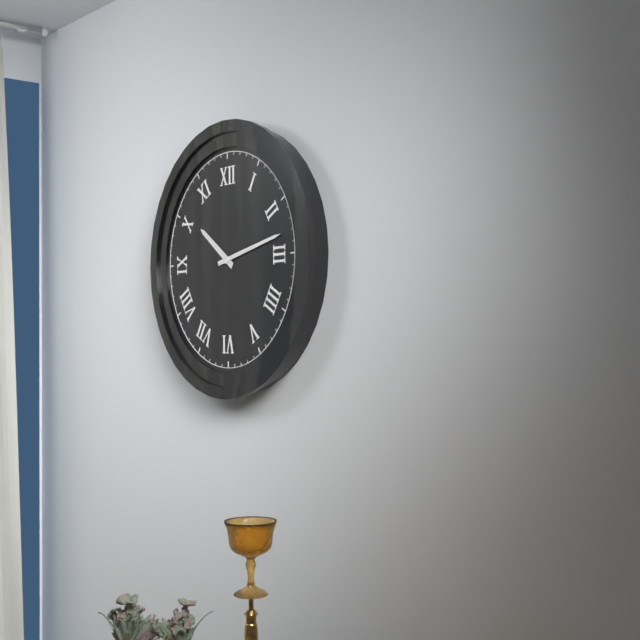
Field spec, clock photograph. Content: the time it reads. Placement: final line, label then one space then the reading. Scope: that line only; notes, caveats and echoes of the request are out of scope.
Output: 10:13
